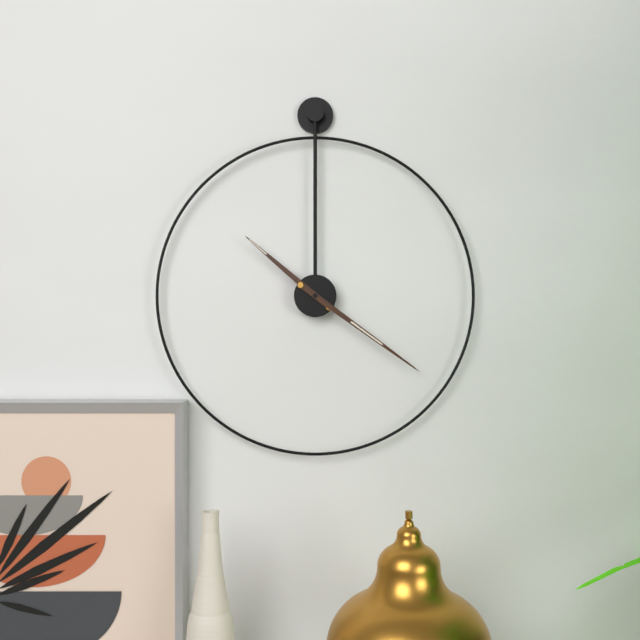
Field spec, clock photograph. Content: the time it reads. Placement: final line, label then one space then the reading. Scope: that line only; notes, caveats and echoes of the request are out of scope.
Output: 10:21
